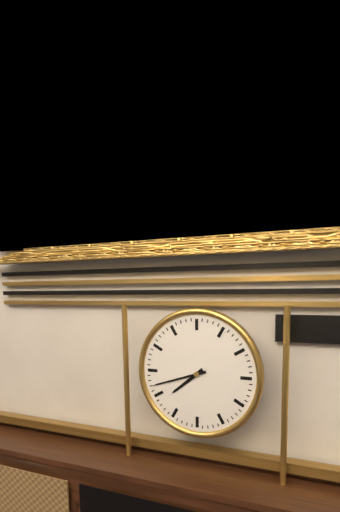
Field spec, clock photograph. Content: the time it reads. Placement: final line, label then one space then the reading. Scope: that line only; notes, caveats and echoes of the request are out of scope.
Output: 7:42
